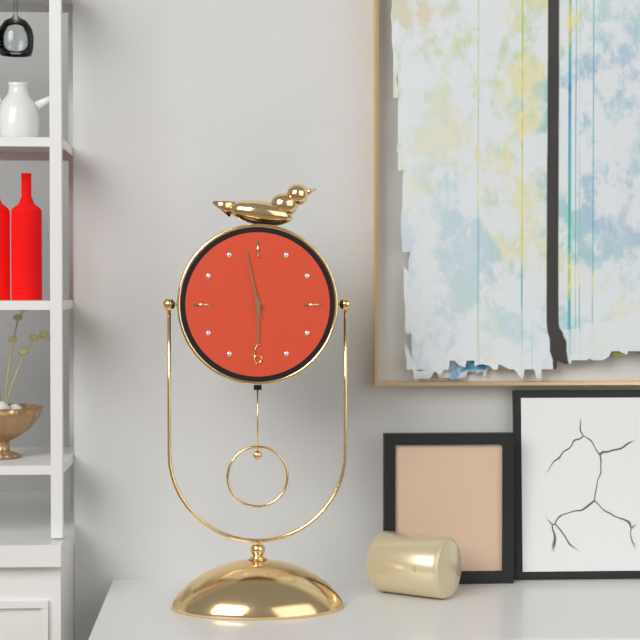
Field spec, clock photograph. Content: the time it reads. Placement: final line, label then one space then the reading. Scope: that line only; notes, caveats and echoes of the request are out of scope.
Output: 5:58:58
